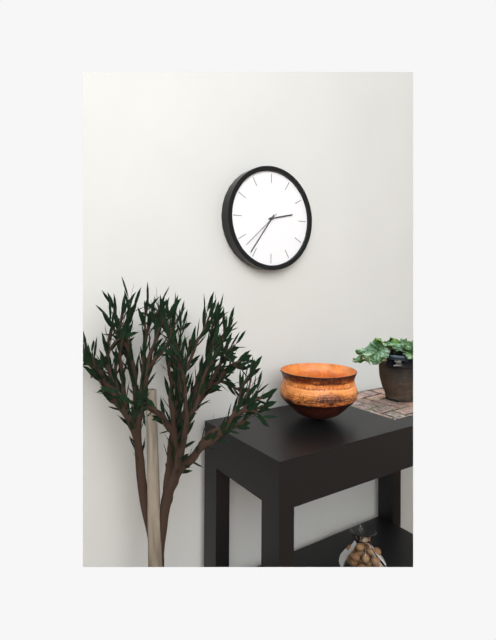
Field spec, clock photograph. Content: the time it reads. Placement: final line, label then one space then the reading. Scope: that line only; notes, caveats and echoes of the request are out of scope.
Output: 2:36
